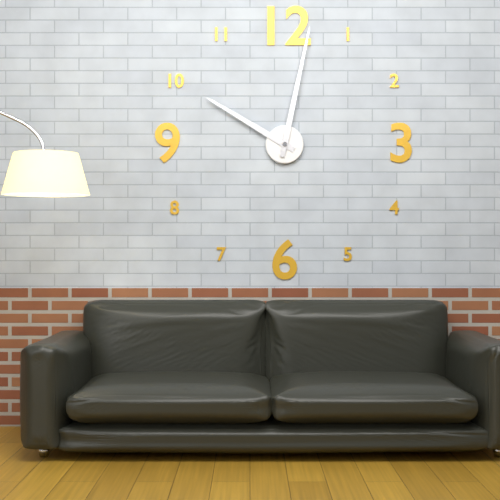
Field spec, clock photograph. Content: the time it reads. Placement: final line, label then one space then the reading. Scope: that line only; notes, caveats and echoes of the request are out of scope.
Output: 10:02
